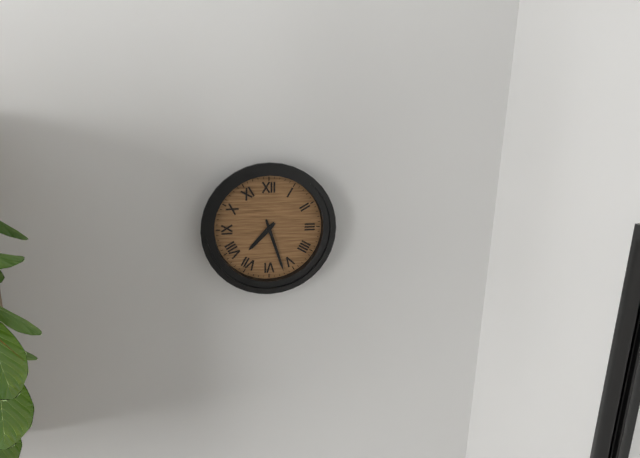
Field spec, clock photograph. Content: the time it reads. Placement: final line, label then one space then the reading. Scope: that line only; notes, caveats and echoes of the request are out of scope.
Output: 7:27
